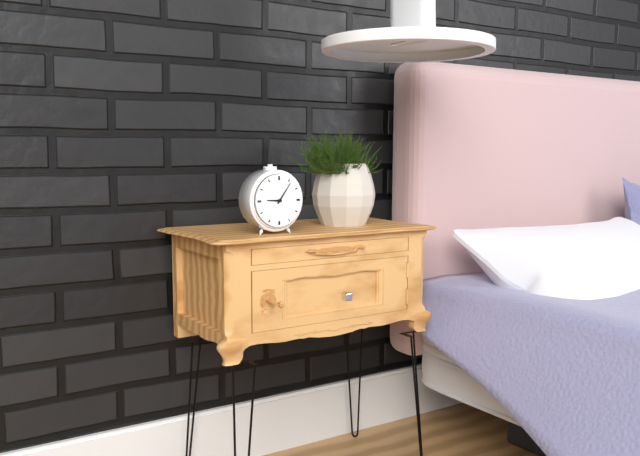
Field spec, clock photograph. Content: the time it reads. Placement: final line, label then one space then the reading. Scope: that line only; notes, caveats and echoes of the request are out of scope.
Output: 9:06
